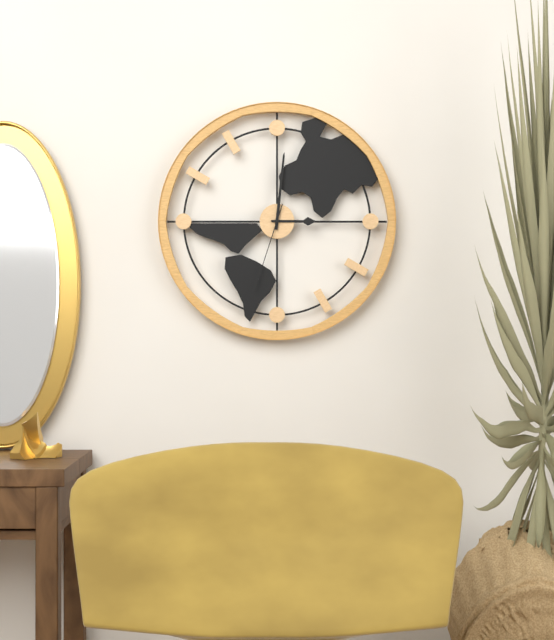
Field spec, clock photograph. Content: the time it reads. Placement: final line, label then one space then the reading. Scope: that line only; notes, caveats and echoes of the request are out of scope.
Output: 3:01:33
